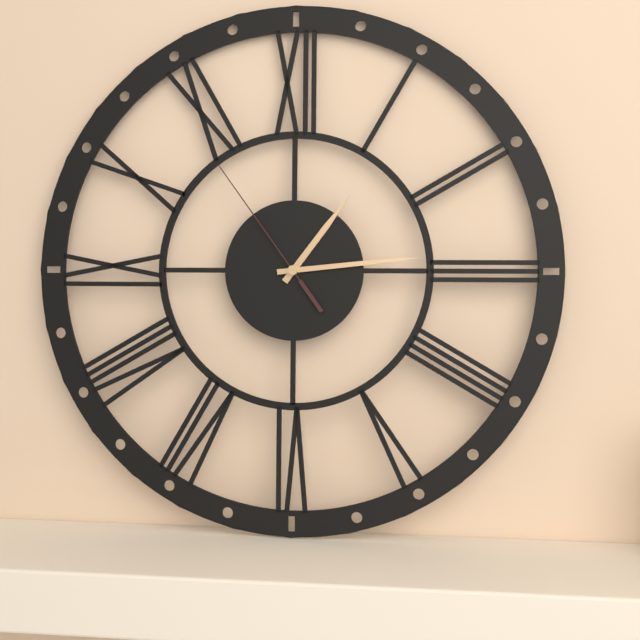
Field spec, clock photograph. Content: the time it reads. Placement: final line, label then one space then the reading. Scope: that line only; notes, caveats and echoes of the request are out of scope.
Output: 1:14:54
